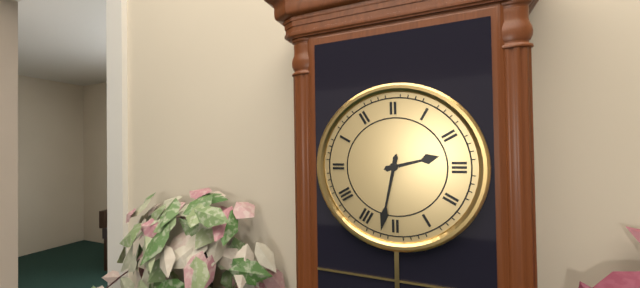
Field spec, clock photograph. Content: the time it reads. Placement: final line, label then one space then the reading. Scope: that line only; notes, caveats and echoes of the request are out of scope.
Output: 2:32
